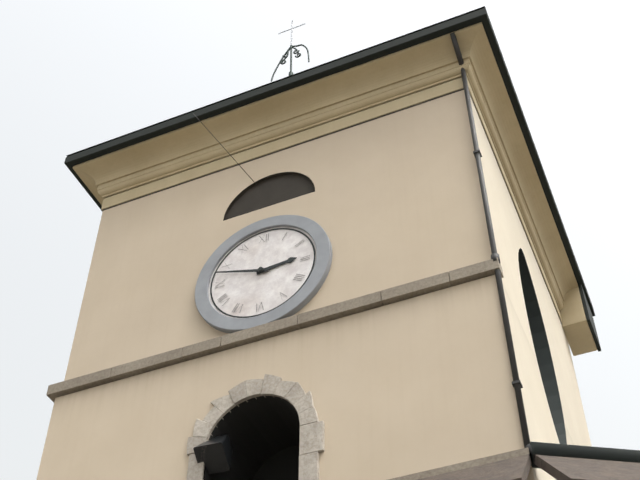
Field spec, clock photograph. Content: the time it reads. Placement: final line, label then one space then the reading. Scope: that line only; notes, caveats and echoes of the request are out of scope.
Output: 2:48
